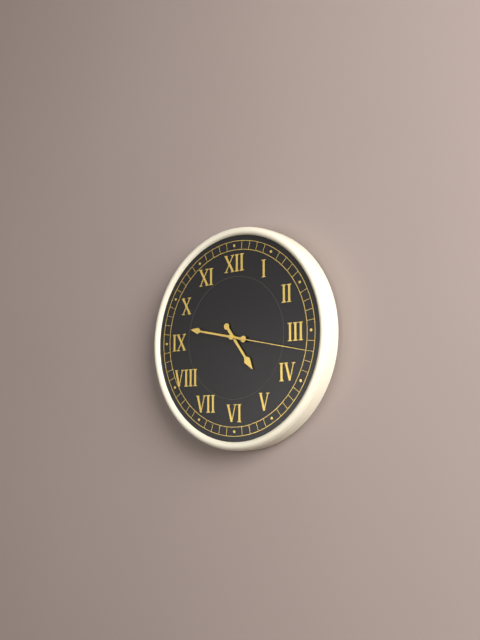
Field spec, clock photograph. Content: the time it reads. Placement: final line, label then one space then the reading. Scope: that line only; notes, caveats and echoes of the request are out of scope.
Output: 4:47:17
